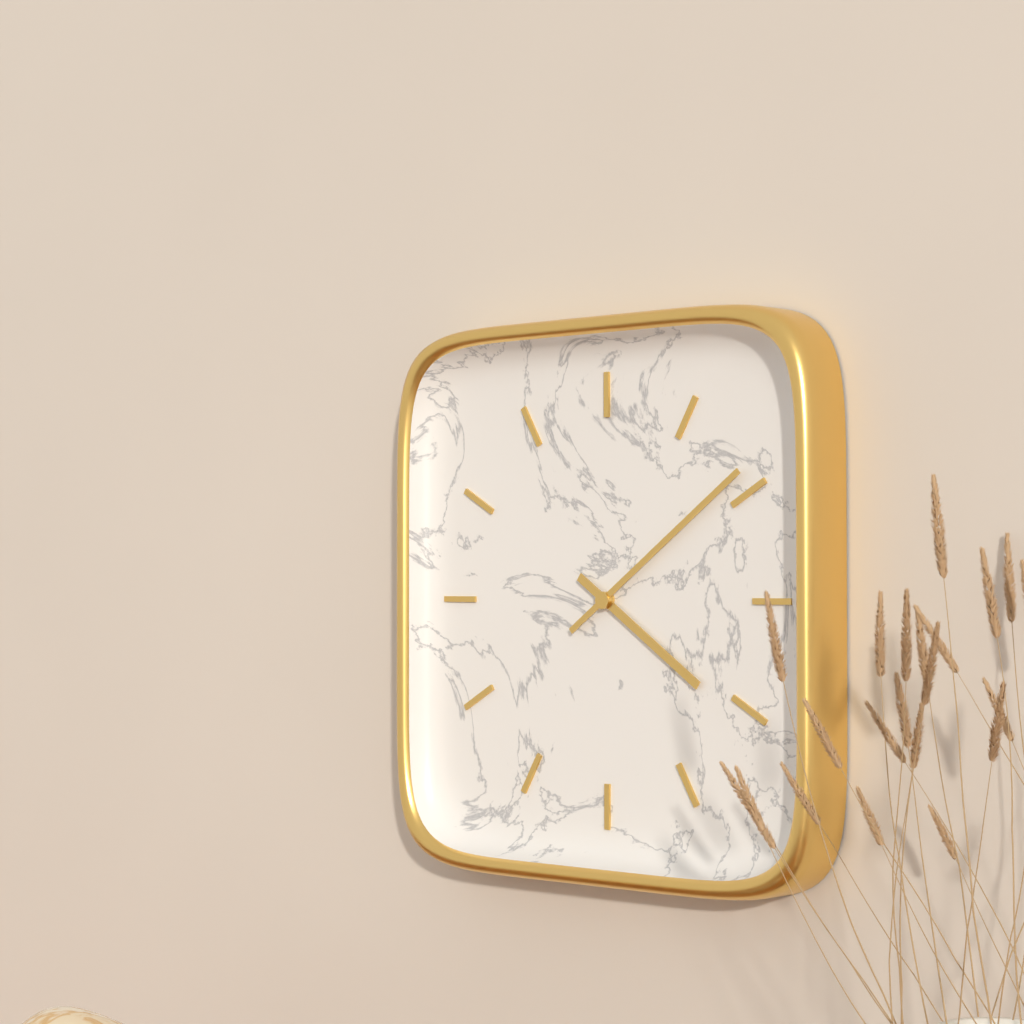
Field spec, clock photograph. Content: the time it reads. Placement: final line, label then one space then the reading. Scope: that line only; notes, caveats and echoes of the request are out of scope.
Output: 4:09
